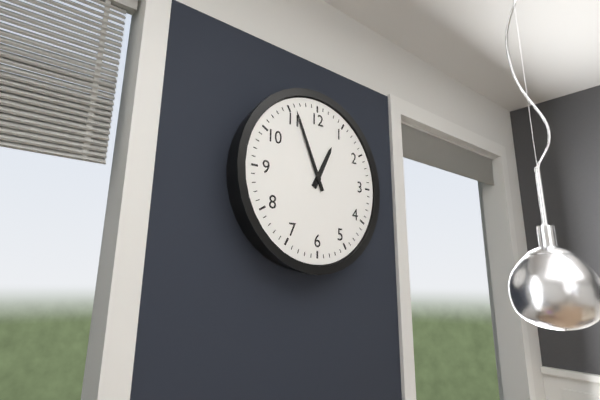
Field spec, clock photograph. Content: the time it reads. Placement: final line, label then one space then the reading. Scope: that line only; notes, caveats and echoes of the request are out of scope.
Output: 12:56
